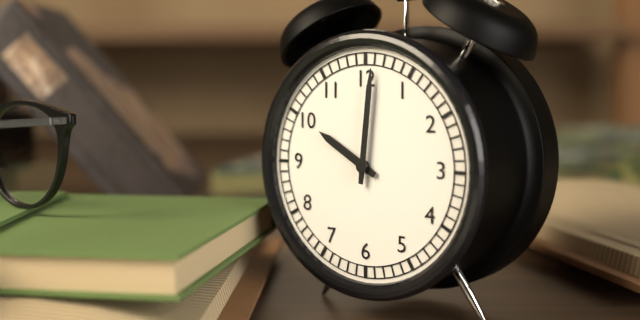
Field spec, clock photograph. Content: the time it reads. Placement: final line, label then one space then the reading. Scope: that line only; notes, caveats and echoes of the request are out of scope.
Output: 10:01
